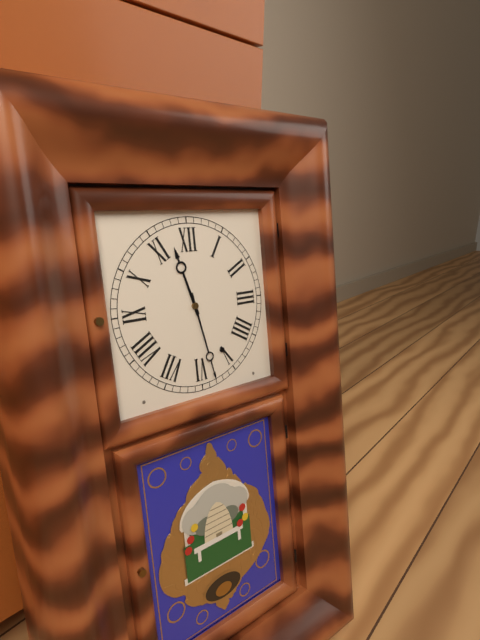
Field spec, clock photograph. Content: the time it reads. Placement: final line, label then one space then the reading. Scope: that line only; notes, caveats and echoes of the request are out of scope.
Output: 11:28
